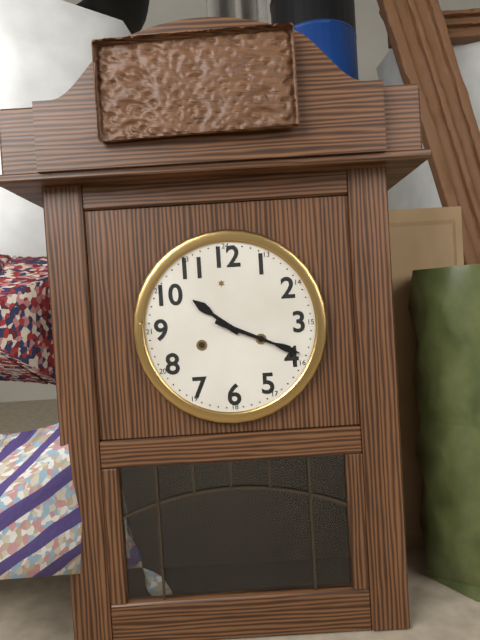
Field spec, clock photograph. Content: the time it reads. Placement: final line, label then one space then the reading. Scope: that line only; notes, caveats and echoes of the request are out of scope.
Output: 10:19
